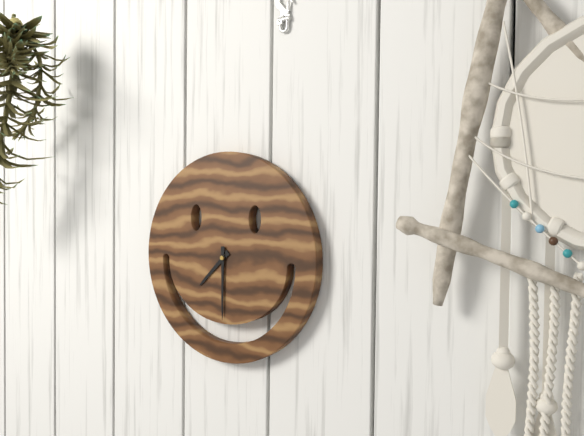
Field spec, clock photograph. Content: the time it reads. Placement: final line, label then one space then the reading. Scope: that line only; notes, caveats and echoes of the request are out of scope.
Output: 7:30
